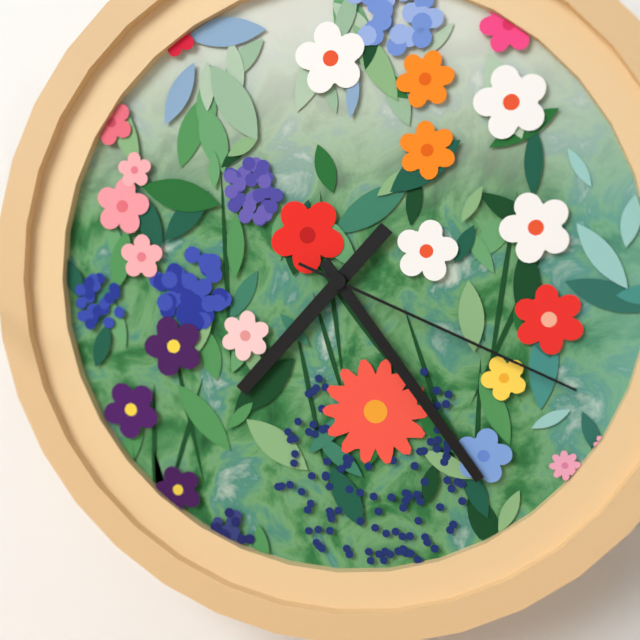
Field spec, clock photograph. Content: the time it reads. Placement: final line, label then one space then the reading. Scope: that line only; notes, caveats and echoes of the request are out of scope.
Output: 7:24:19
